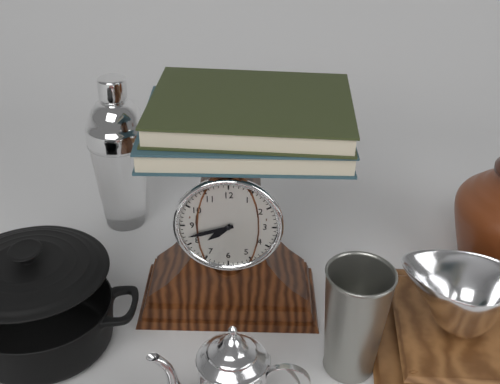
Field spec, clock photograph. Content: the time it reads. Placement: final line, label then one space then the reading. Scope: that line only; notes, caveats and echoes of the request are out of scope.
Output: 7:42
